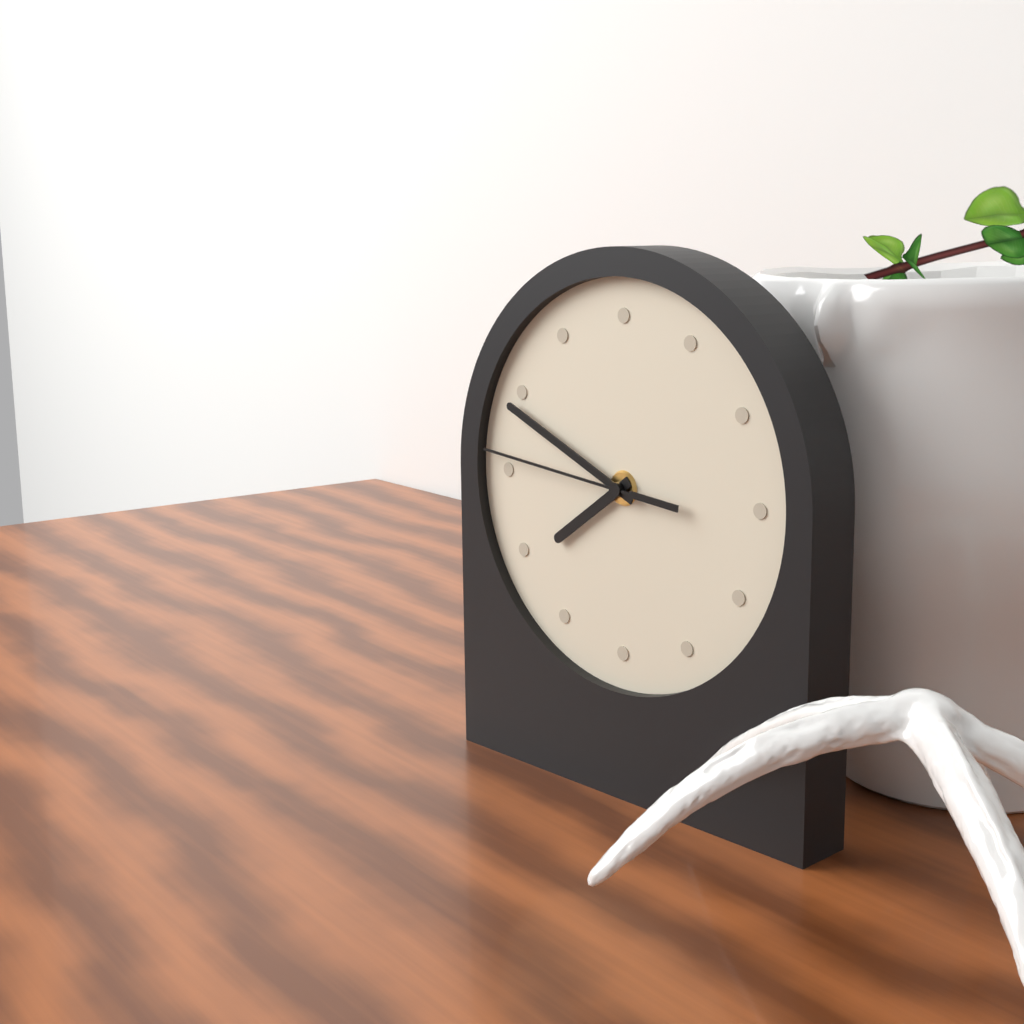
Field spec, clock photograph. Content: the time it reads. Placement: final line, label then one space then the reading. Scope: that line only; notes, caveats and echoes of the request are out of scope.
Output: 7:49:46
